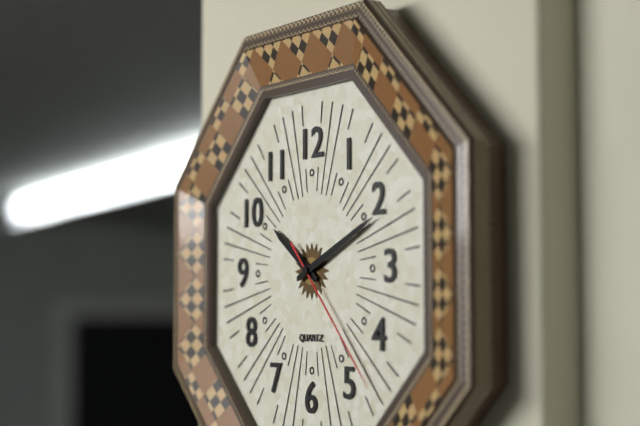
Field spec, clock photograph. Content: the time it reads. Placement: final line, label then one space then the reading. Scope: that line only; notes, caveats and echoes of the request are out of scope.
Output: 10:11:23
